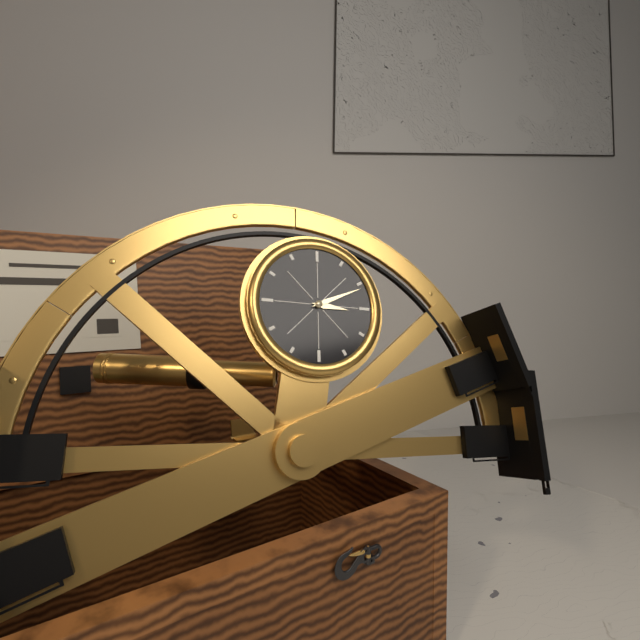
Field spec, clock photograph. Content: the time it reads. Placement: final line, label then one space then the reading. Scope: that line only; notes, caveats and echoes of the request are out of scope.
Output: 3:11
